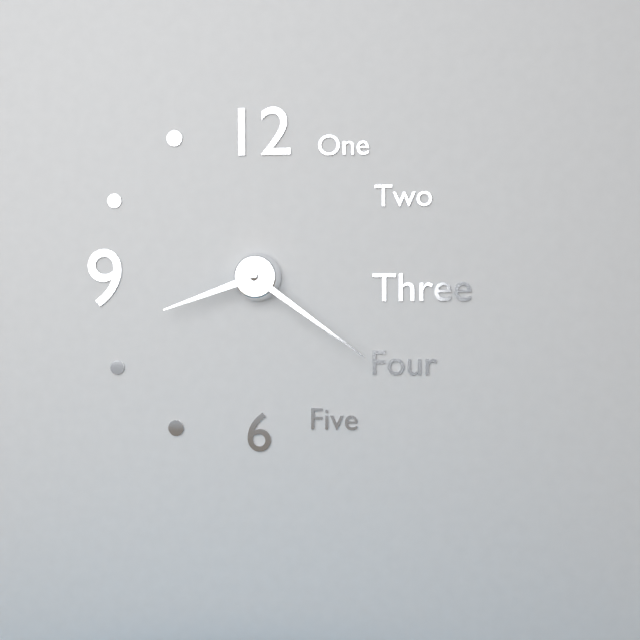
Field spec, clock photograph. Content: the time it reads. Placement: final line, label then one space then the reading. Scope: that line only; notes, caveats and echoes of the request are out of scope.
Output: 8:21
